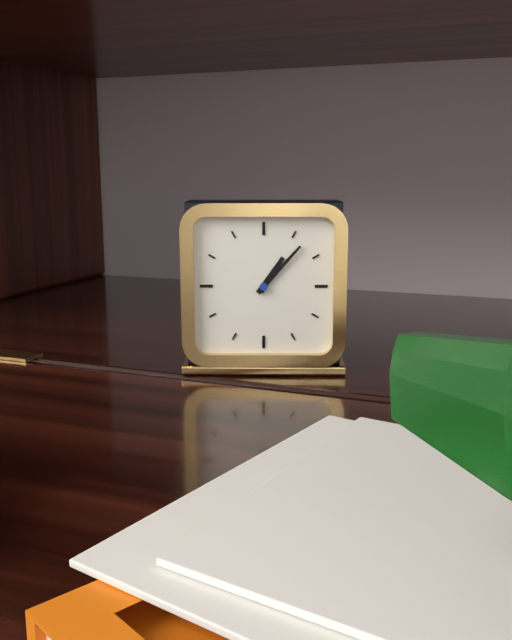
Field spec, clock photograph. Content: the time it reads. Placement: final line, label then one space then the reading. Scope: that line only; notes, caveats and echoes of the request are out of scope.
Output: 1:07
